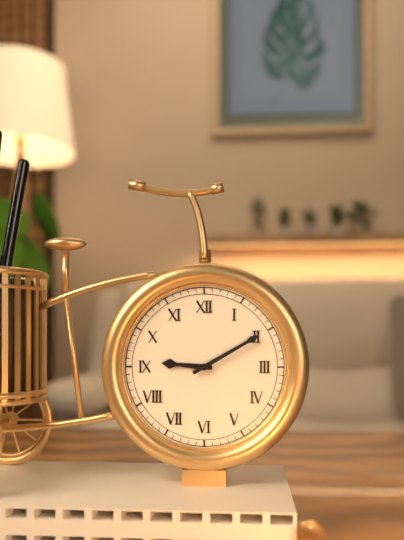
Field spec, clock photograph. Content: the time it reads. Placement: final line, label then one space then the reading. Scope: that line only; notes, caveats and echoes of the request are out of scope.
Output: 9:10
